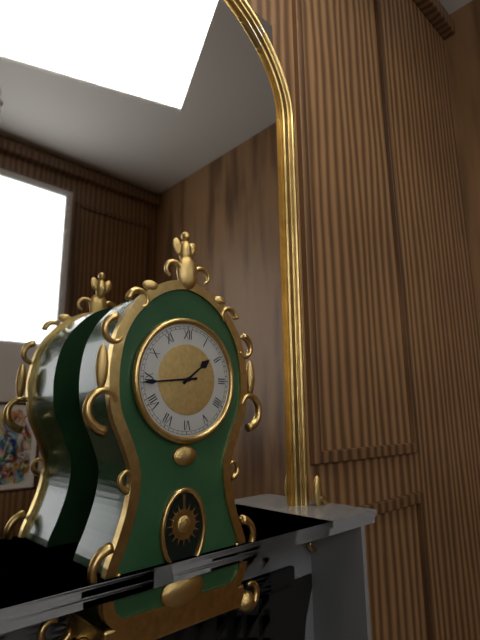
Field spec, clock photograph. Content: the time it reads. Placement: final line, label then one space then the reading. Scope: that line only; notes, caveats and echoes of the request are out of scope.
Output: 1:44
